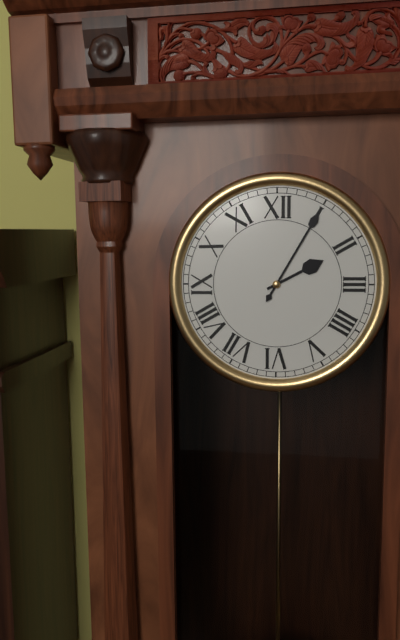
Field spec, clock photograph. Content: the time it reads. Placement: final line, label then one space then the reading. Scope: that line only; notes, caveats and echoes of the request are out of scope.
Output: 2:05
